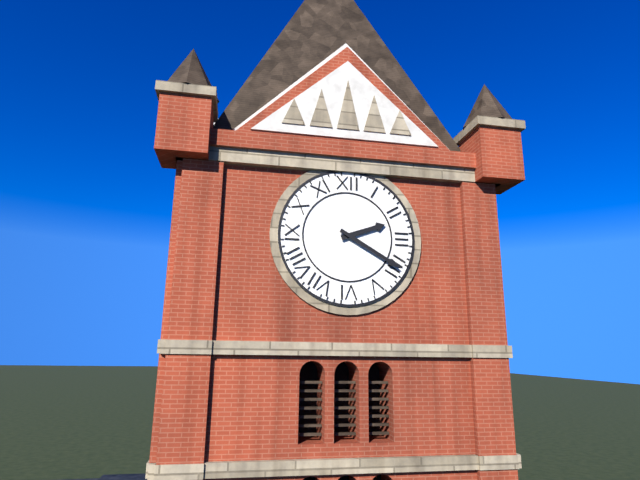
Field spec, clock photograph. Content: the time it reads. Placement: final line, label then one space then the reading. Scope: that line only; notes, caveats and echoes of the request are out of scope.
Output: 2:20
